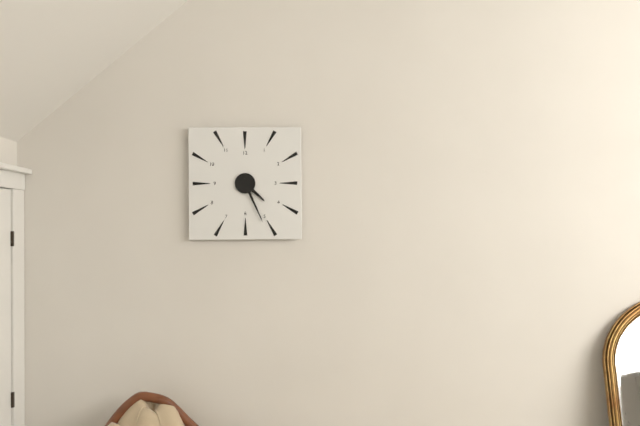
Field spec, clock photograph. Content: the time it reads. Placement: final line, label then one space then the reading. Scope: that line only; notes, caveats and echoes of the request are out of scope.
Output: 4:26
